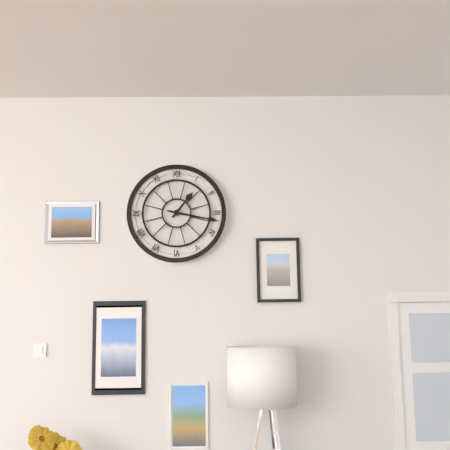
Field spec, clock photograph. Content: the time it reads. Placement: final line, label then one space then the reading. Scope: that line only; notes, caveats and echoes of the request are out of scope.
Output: 1:17
